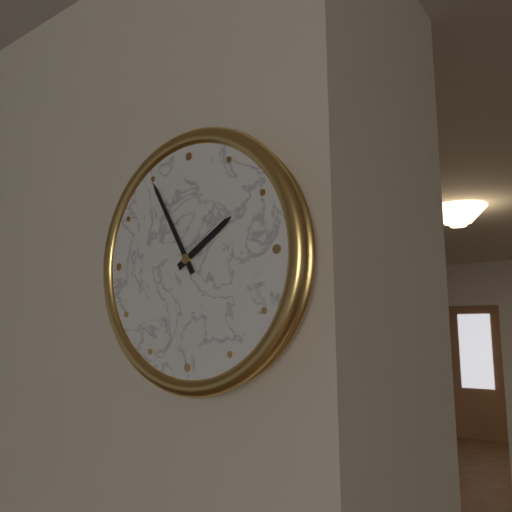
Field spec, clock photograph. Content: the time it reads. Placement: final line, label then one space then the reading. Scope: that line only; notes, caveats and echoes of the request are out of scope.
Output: 1:55
